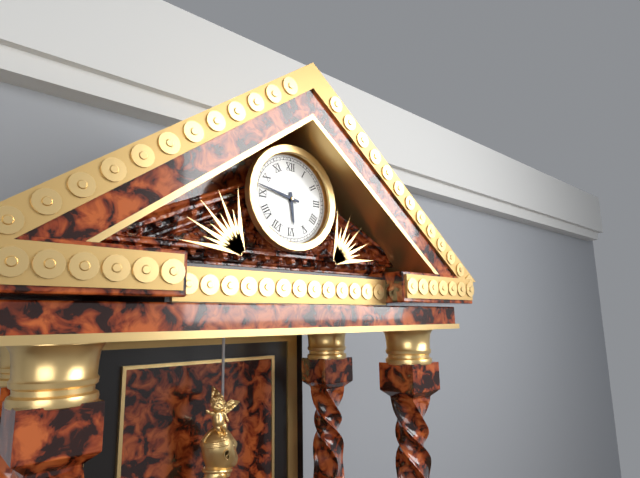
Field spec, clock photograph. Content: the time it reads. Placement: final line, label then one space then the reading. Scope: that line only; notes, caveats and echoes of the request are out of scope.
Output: 5:47
